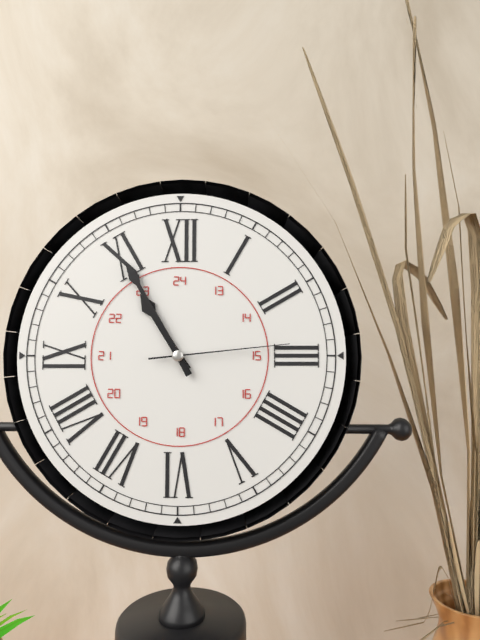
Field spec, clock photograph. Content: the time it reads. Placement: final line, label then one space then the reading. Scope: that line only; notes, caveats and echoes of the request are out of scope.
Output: 10:55:14
